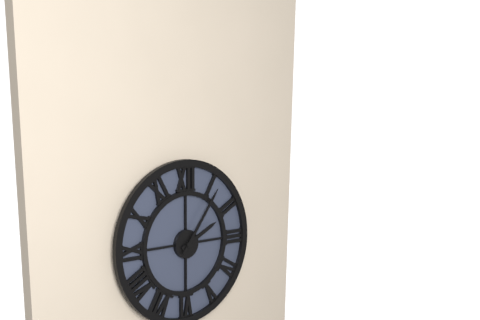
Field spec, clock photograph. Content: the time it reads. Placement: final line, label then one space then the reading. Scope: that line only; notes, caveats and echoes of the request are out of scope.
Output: 2:06
